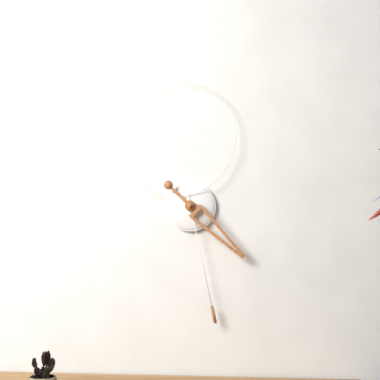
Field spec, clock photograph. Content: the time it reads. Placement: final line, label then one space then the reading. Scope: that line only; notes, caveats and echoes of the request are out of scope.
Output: 4:28
